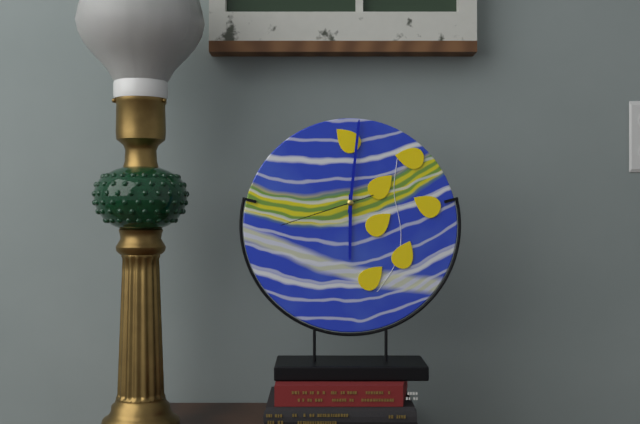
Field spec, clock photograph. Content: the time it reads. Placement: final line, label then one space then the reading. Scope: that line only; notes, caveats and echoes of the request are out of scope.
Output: 6:01:42
